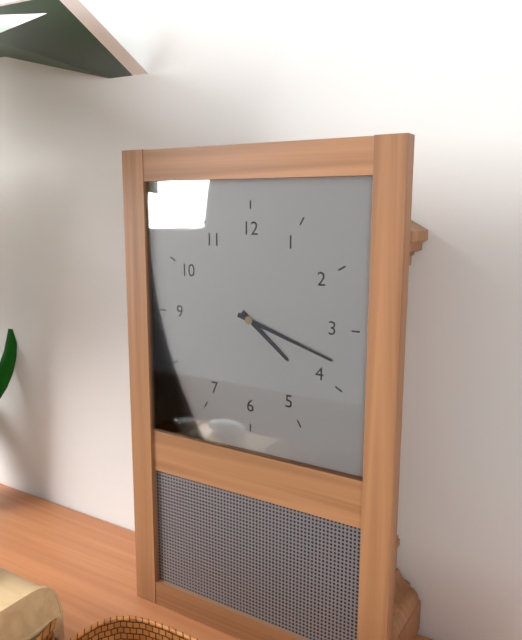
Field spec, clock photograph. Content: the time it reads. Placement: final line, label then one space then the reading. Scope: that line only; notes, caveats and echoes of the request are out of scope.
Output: 4:18
